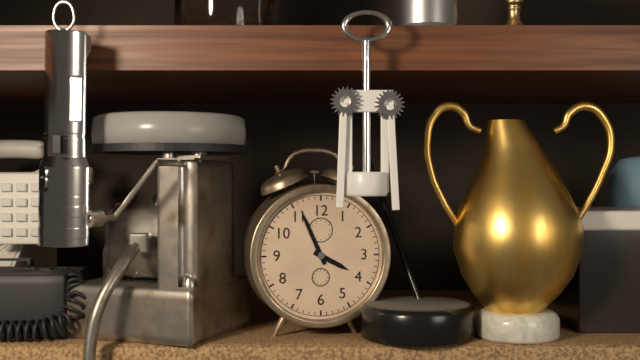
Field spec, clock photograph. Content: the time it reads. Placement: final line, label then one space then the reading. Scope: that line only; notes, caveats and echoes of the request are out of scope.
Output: 3:56
